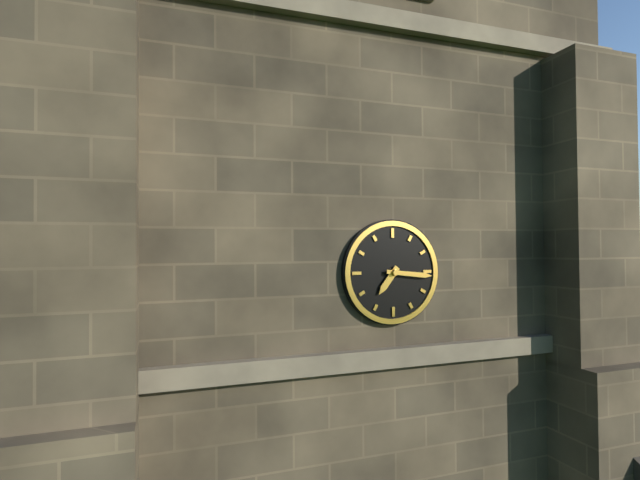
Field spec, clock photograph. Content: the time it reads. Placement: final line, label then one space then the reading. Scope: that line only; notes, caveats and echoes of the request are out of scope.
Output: 7:16
